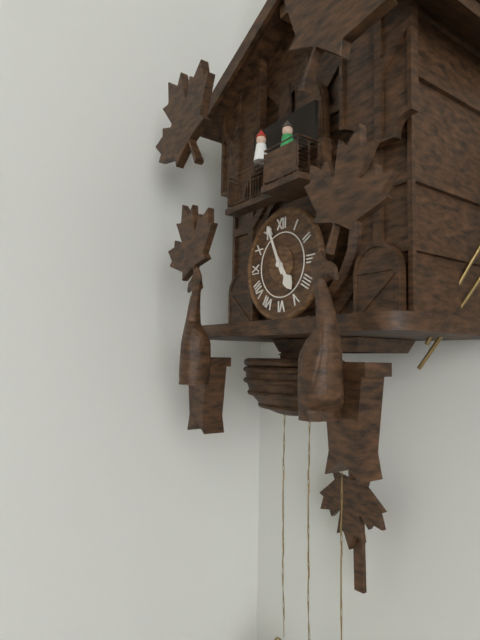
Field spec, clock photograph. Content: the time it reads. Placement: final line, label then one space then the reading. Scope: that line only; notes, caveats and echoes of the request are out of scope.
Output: 4:56
